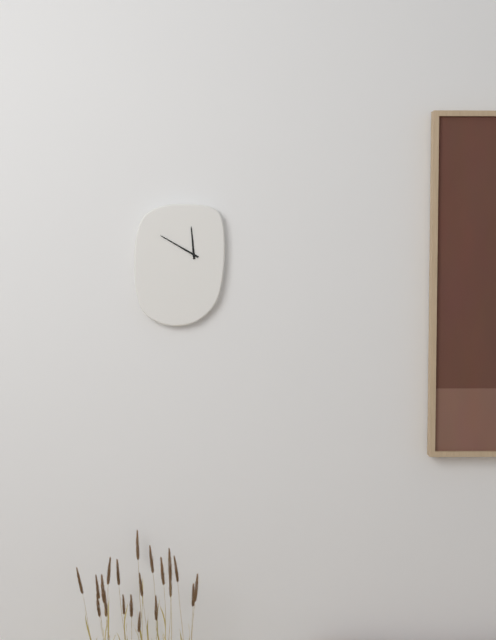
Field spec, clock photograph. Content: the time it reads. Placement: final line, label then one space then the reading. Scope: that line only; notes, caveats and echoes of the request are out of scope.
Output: 11:50
